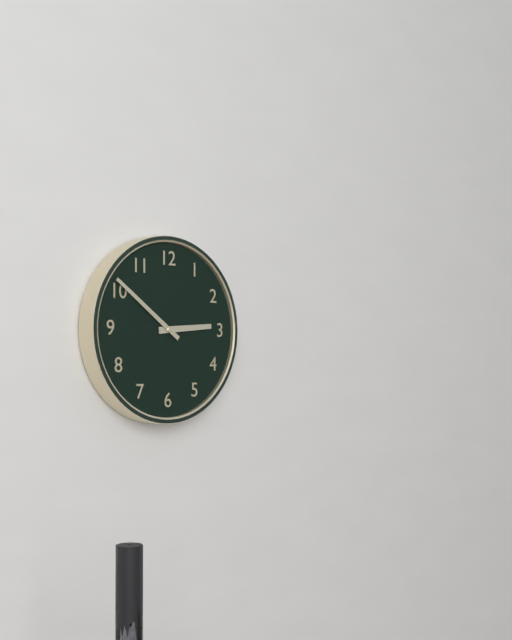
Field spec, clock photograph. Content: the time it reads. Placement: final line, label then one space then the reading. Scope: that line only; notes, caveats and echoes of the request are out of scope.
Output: 2:51
